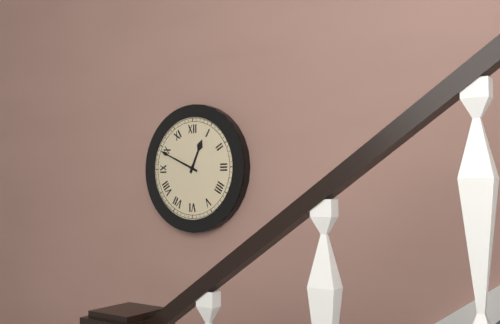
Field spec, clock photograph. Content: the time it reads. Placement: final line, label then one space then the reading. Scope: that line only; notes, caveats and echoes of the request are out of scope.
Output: 12:49
